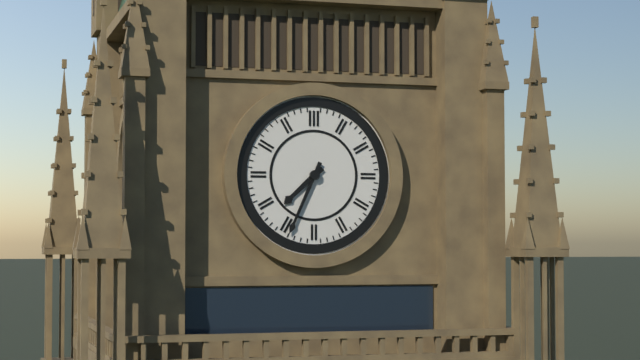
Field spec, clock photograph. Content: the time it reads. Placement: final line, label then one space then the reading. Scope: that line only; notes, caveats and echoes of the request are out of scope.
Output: 7:34
